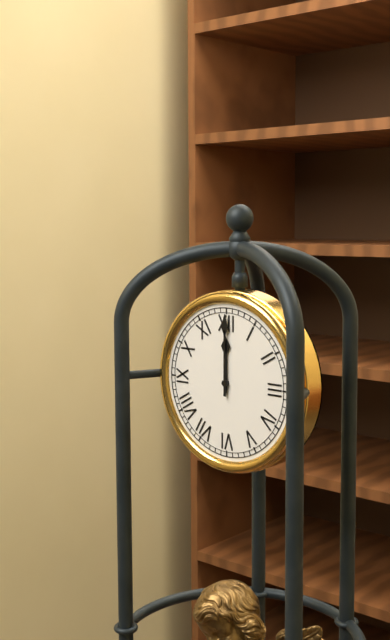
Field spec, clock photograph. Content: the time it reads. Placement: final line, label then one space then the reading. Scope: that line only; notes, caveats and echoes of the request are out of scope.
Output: 12:00
